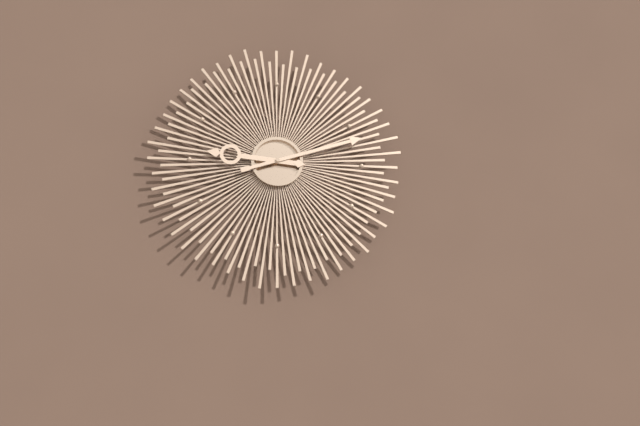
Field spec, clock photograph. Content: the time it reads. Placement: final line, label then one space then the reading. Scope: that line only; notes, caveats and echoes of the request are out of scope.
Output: 9:12
